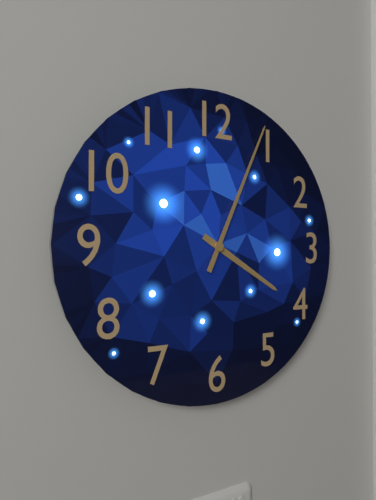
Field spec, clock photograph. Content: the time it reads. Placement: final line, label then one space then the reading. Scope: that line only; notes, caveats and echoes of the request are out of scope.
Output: 4:04
